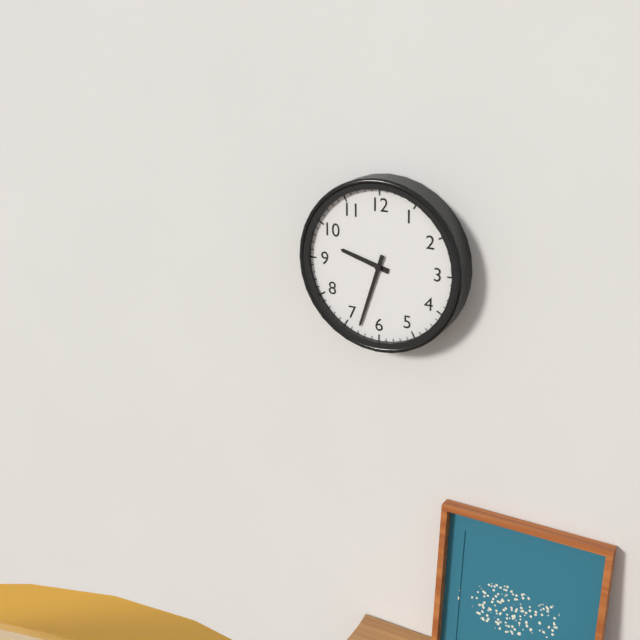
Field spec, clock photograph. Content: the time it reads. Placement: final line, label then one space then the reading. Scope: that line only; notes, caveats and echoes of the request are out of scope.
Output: 9:33
